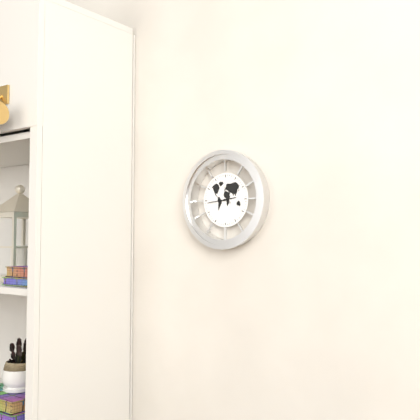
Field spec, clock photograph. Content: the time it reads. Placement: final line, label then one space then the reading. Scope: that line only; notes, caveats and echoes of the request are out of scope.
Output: 2:44
